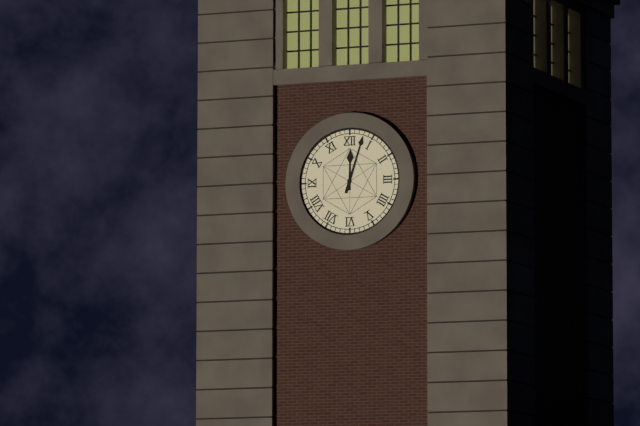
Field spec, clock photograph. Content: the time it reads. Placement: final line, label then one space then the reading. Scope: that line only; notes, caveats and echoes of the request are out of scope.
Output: 12:03
